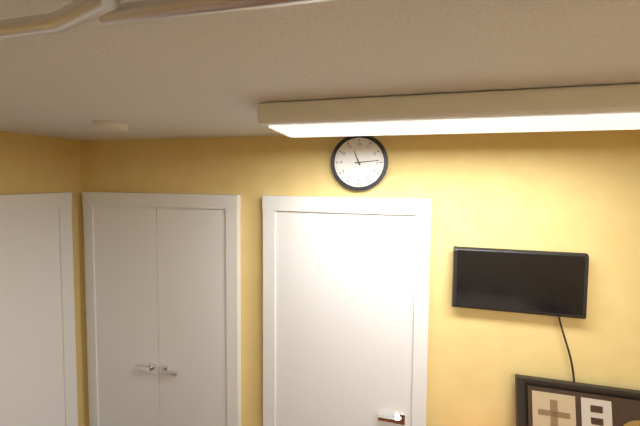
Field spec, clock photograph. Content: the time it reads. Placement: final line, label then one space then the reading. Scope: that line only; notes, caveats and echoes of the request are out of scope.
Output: 11:14
